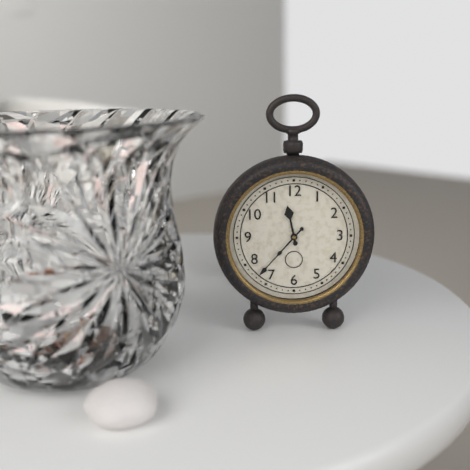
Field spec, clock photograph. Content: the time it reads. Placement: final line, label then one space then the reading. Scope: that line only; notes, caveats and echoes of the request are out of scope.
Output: 11:37
